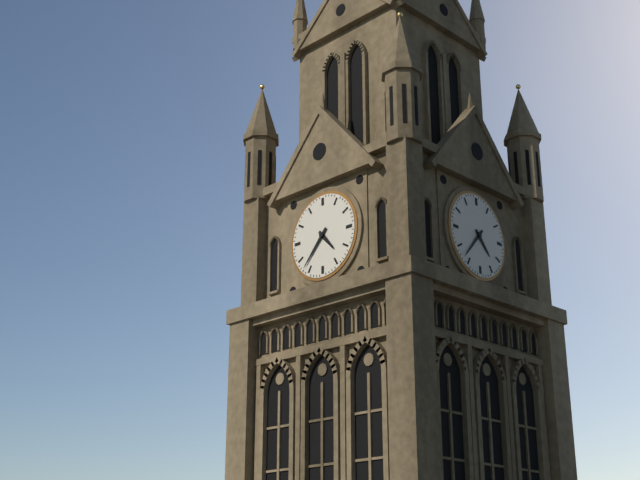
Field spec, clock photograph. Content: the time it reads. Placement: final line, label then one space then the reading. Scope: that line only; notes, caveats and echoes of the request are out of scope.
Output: 4:37
